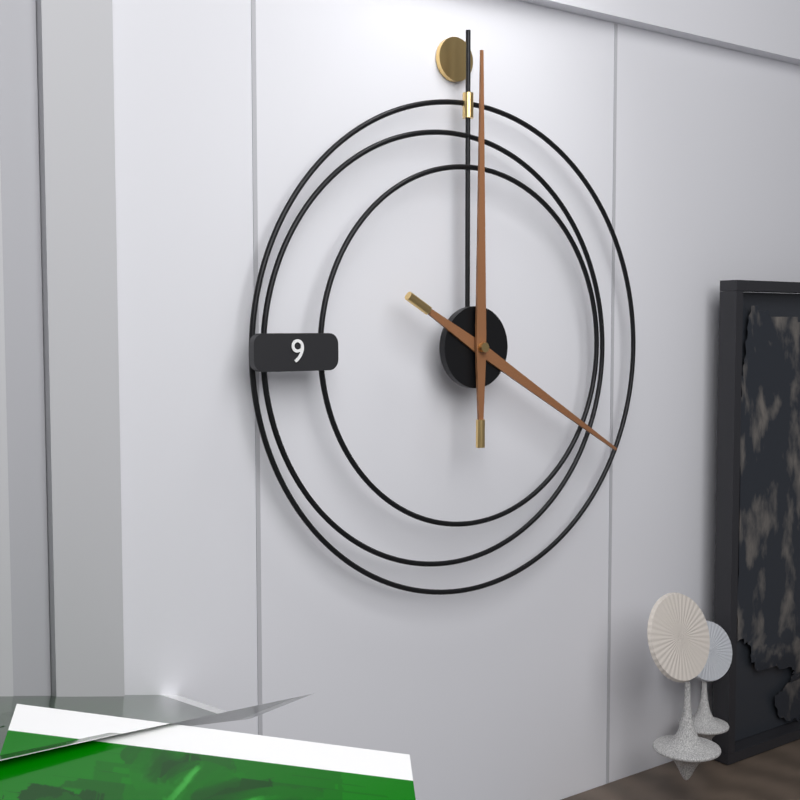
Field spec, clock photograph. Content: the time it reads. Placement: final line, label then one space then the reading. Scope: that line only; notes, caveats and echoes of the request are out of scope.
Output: 4:00
